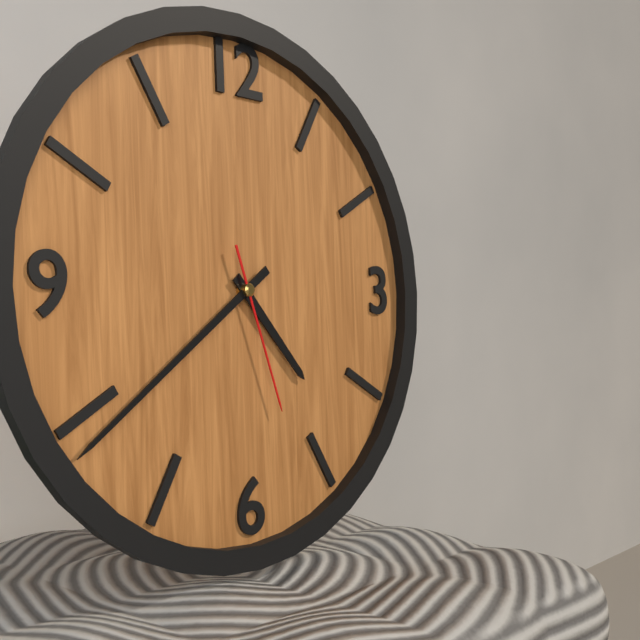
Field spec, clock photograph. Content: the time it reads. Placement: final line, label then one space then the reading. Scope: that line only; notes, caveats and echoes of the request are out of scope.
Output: 4:39:27
